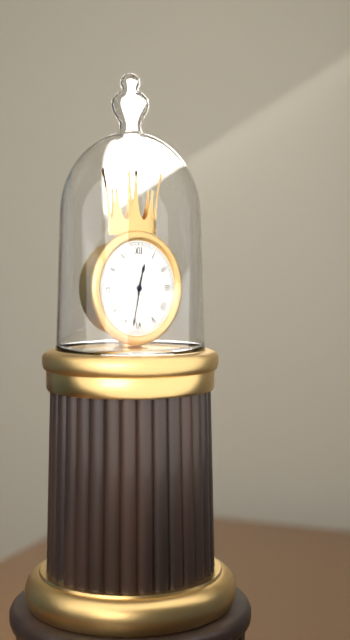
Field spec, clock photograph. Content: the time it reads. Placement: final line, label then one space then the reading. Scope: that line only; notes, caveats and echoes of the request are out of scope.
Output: 12:32
